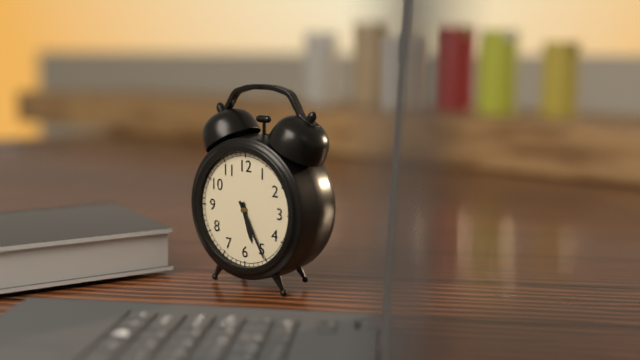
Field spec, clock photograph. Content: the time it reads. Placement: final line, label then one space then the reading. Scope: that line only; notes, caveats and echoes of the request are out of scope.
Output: 5:25
